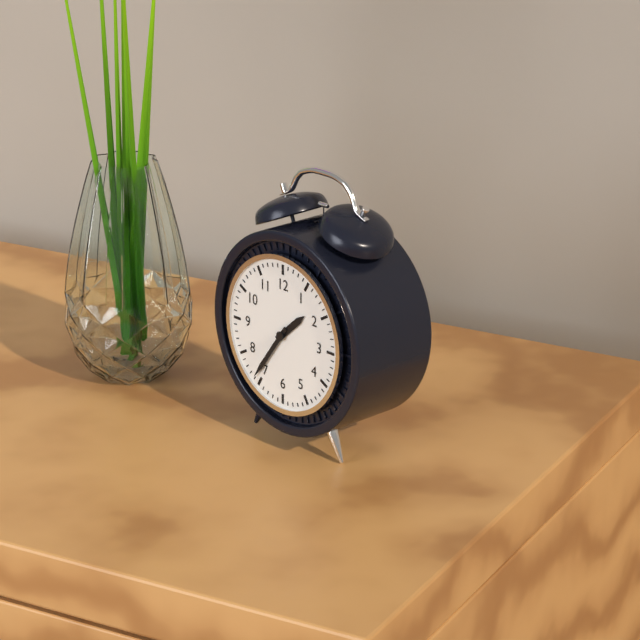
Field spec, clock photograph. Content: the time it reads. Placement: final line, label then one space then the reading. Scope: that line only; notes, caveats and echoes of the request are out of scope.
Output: 1:36
